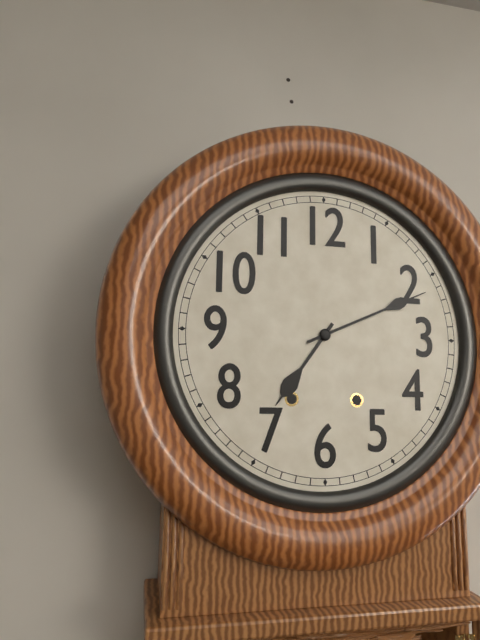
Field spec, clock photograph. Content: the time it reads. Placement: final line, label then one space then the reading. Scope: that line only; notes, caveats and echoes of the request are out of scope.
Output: 7:11
